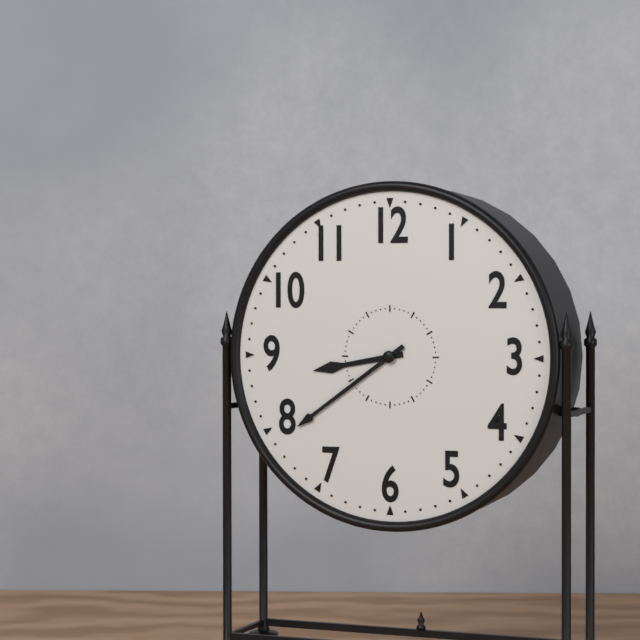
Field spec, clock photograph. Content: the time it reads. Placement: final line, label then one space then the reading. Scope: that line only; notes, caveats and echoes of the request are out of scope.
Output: 8:39
